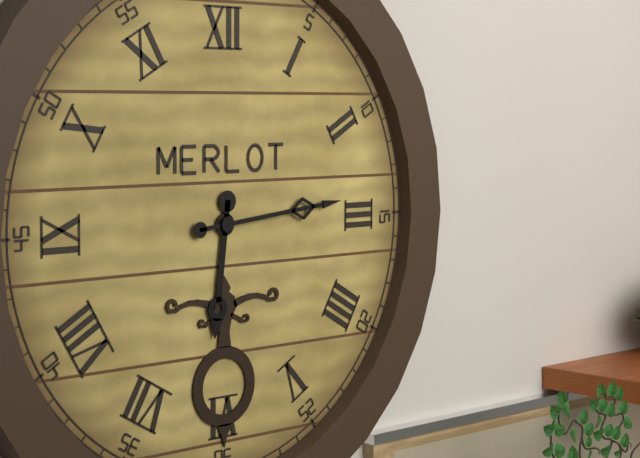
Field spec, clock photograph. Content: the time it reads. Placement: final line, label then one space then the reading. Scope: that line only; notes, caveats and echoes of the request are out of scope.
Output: 6:14
